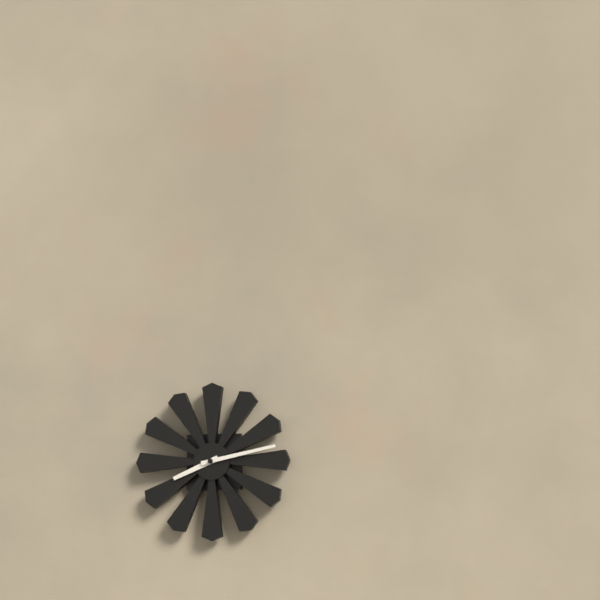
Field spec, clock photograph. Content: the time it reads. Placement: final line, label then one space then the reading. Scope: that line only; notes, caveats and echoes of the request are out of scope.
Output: 8:13
